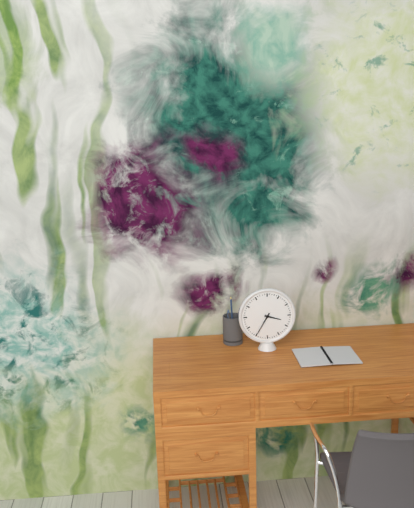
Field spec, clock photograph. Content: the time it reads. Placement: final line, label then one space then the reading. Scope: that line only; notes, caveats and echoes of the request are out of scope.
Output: 3:35
